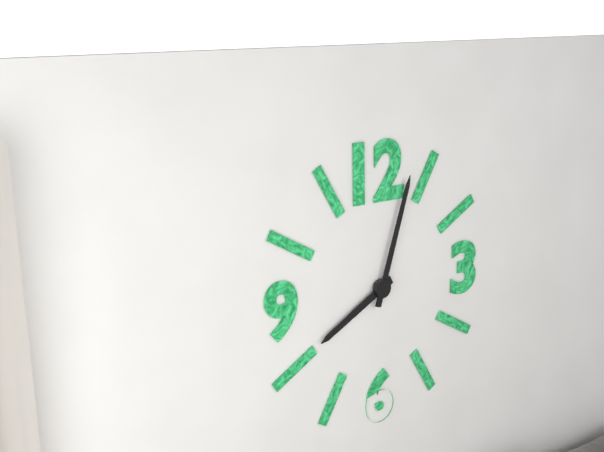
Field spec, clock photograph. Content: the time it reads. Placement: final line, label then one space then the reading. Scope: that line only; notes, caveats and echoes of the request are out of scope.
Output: 8:03
